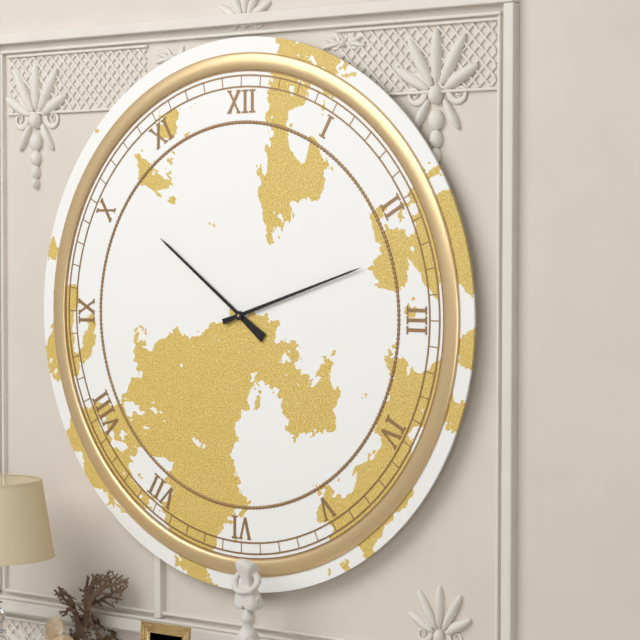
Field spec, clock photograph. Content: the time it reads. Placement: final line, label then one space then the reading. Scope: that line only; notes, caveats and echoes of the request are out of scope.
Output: 10:12
